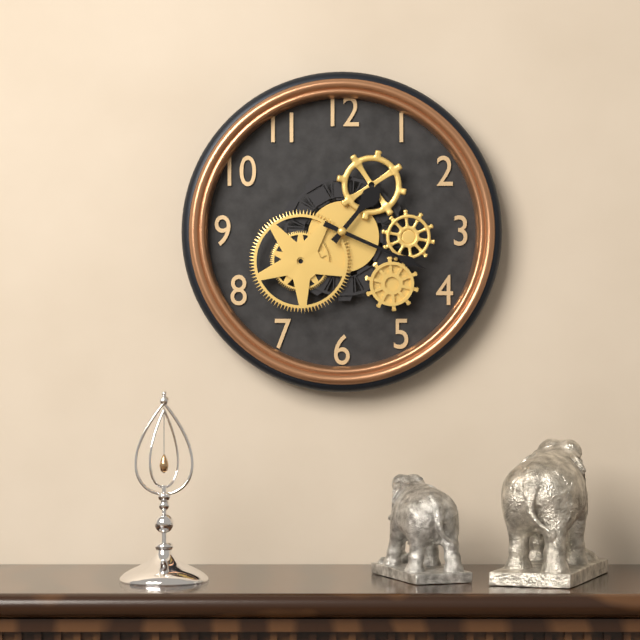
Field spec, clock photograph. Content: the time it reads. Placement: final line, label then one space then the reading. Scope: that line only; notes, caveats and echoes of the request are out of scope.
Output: 1:19
